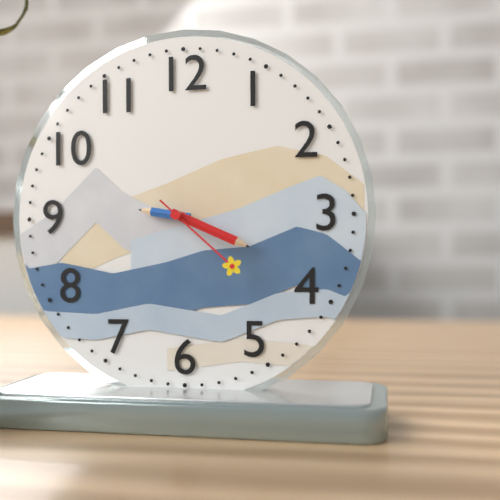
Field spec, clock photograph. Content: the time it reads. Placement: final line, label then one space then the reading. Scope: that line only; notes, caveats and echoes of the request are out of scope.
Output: 9:19:22
